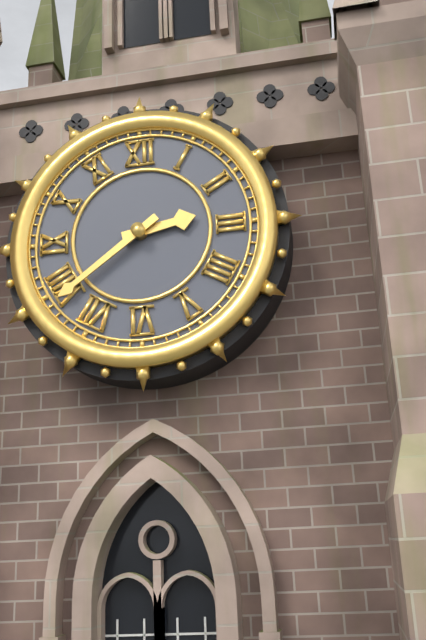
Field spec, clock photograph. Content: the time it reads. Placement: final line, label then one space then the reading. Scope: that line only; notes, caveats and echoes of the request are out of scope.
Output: 2:39
